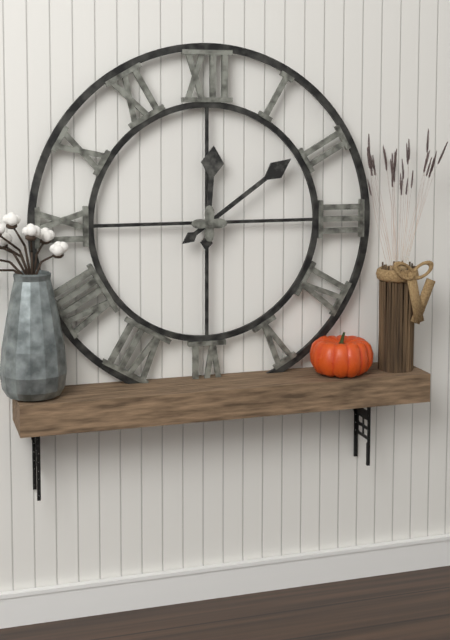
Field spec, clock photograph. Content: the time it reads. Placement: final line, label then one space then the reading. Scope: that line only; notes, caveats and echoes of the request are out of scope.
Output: 12:09
